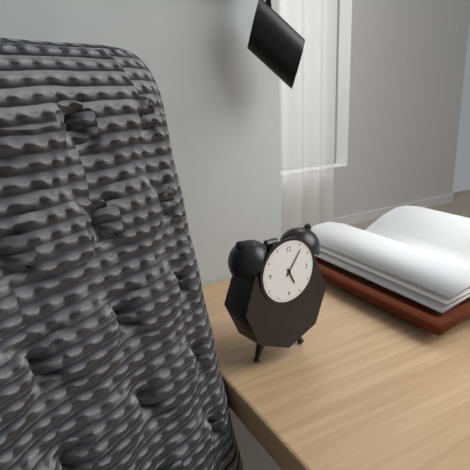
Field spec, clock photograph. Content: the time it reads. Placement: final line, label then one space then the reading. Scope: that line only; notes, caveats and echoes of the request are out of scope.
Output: 5:06
